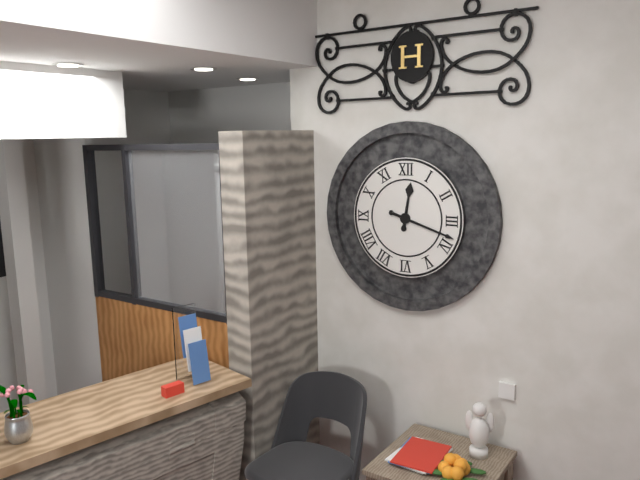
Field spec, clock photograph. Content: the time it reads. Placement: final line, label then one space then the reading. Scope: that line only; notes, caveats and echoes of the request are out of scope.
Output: 12:18
